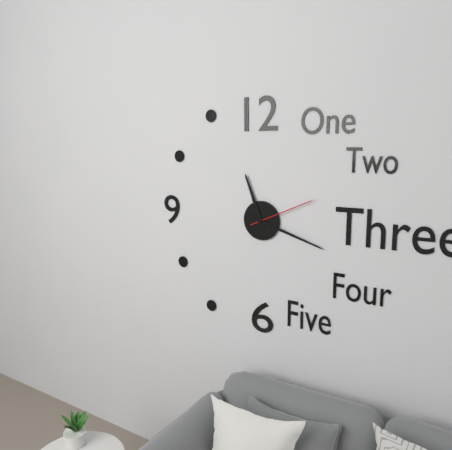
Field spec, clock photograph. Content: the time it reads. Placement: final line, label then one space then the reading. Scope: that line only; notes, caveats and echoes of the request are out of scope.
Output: 11:18:11
